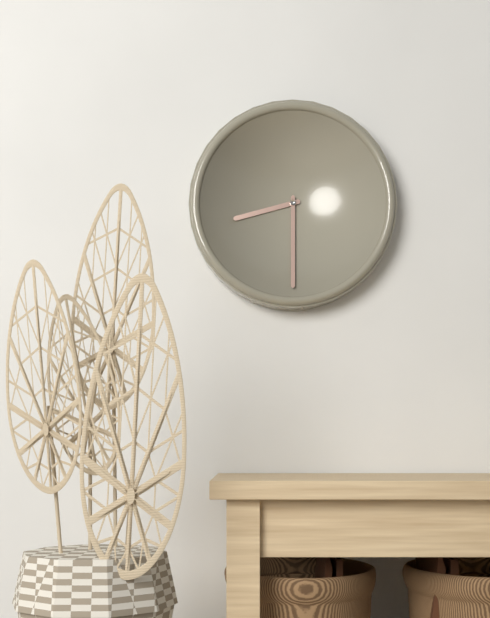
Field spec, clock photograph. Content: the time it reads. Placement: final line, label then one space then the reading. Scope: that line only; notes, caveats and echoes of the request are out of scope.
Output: 8:30
